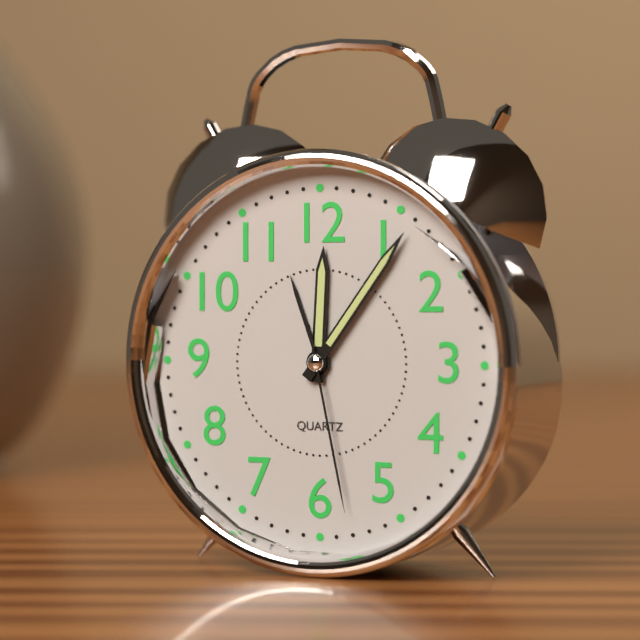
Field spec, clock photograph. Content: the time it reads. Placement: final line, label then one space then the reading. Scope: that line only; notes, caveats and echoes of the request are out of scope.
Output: 12:06:28
